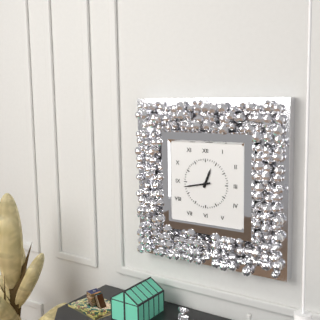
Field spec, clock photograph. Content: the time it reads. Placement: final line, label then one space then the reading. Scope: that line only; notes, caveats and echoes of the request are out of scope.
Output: 12:43
